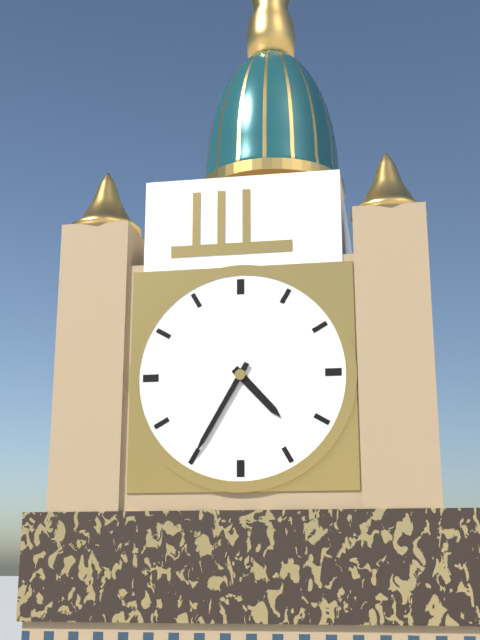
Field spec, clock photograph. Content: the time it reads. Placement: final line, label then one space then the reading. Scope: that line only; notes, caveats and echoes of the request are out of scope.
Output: 4:35
